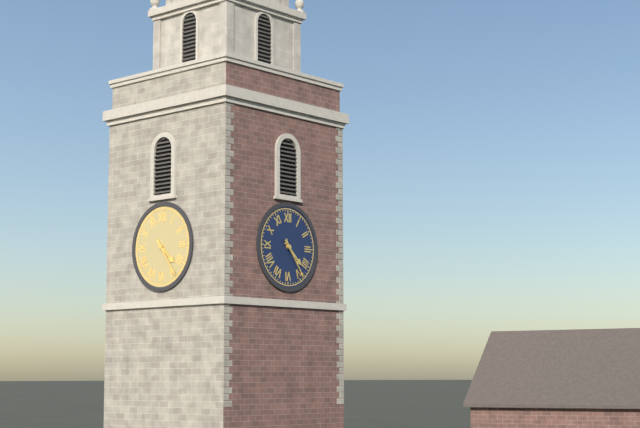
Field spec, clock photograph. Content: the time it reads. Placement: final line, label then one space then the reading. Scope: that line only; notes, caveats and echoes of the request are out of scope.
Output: 4:24
